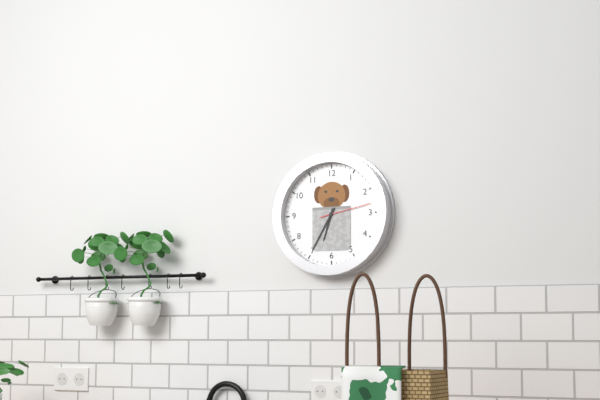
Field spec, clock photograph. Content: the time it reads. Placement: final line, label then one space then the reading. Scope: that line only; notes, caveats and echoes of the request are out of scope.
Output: 6:35:13
